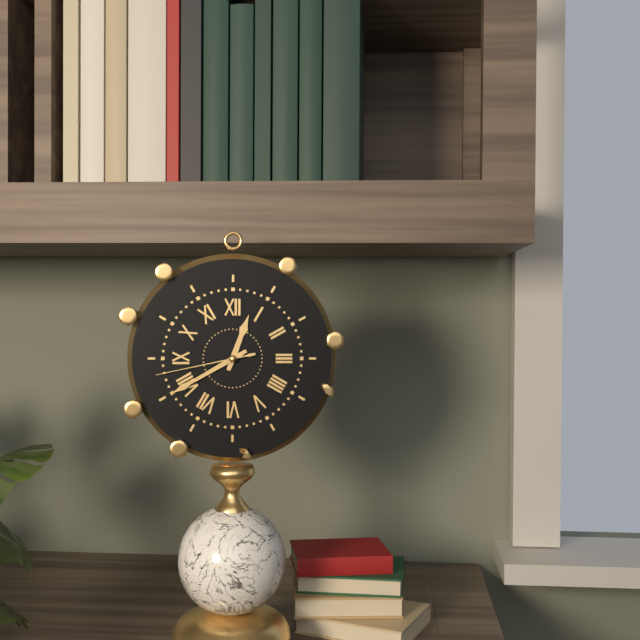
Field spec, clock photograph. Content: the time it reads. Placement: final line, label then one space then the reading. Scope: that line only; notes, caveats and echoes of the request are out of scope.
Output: 12:40:43
